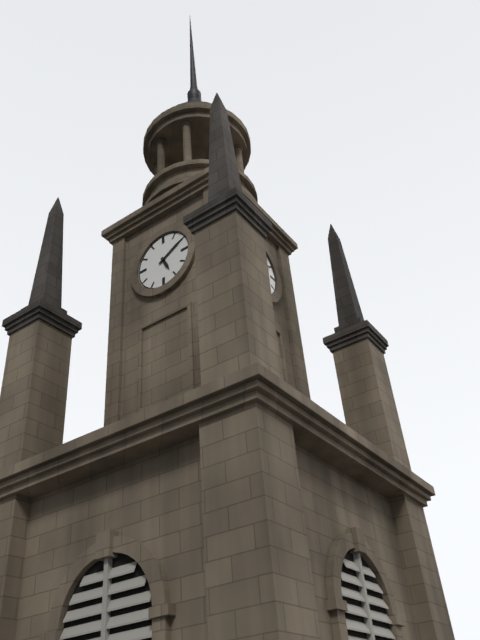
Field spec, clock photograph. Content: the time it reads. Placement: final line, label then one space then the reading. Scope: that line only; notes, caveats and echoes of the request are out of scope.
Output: 5:10
